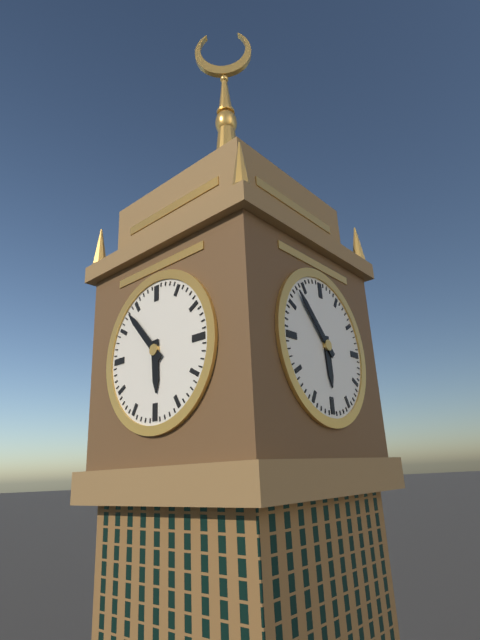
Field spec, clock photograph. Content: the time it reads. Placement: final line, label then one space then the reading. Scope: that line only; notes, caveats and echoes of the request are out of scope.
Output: 5:53
